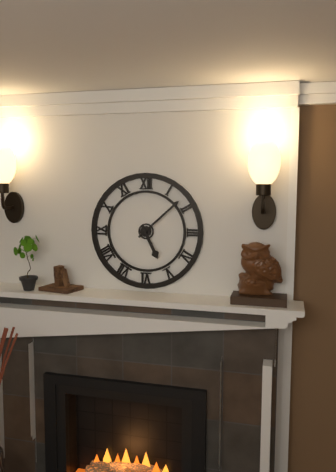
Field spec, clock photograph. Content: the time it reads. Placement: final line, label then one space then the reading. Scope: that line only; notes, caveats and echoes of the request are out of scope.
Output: 5:08
